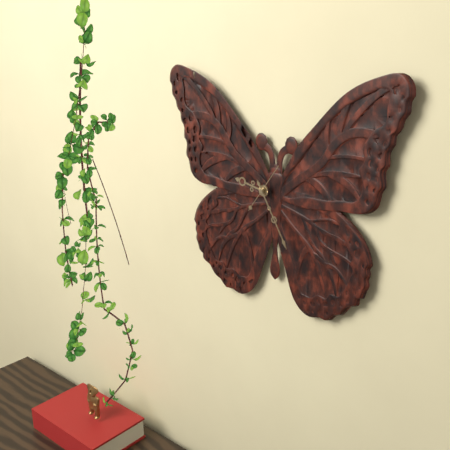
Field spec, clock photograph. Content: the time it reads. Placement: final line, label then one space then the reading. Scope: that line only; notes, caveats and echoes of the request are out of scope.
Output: 9:25
